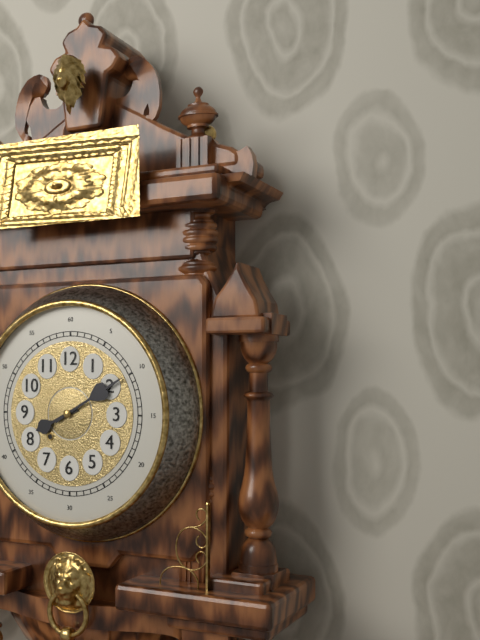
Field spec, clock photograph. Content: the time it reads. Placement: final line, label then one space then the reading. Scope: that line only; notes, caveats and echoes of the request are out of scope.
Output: 8:10
